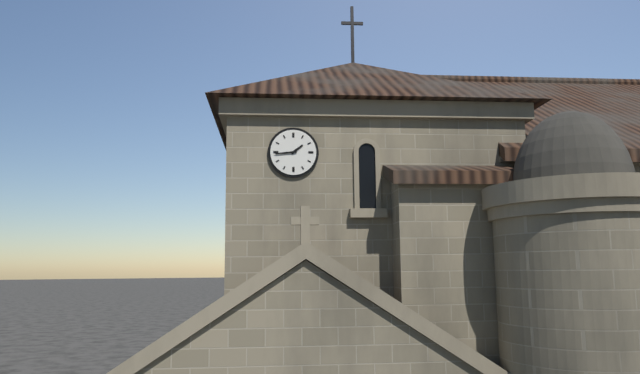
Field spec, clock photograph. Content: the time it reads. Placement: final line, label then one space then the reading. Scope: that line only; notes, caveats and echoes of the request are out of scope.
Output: 1:44
